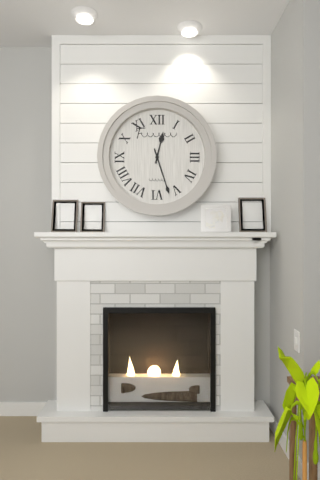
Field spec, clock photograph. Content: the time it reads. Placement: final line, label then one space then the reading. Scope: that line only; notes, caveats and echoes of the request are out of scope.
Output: 12:27
